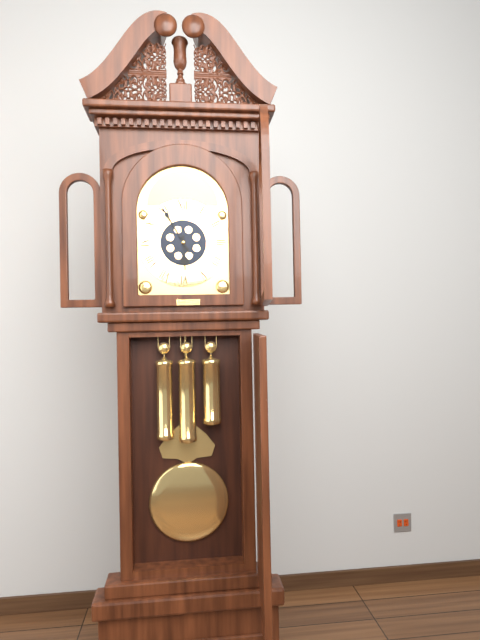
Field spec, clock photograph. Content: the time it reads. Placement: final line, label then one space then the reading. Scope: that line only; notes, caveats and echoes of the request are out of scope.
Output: 5:55
